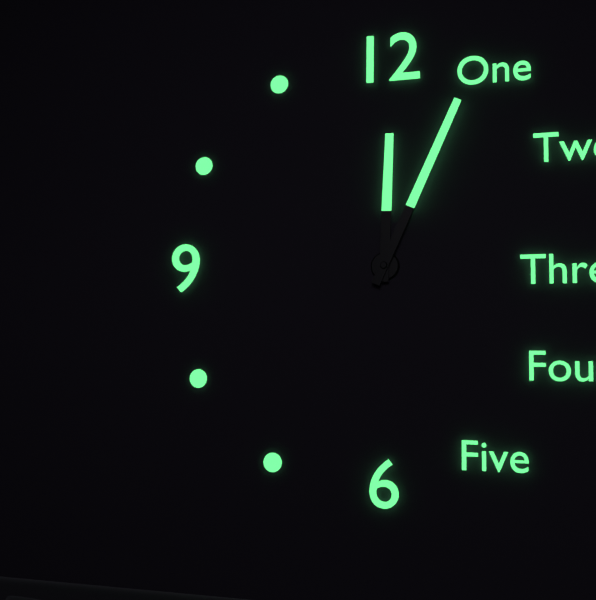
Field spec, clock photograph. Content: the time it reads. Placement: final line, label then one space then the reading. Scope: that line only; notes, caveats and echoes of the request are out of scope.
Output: 12:04
